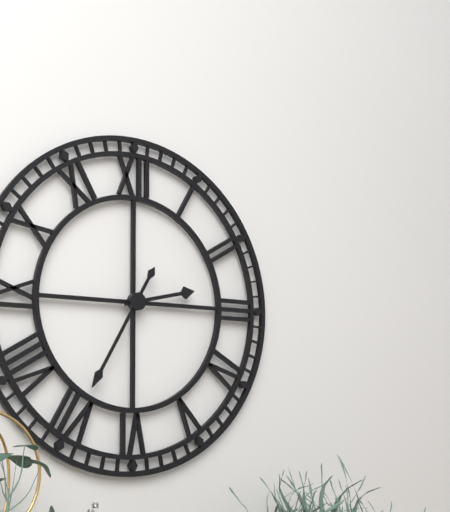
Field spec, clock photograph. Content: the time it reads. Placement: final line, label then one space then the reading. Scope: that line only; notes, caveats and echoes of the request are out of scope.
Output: 2:35
